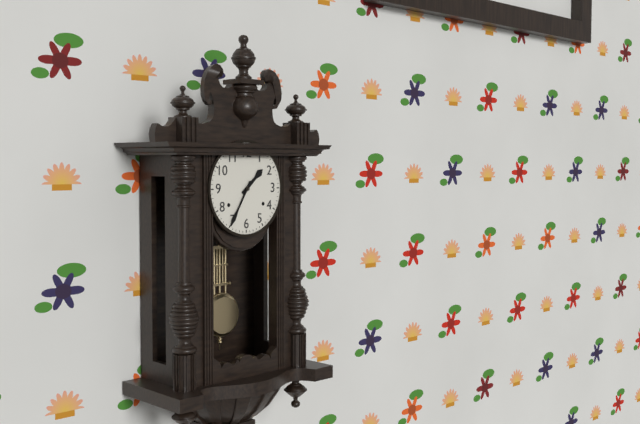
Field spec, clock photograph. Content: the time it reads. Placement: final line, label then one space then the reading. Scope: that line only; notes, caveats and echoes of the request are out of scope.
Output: 1:35
